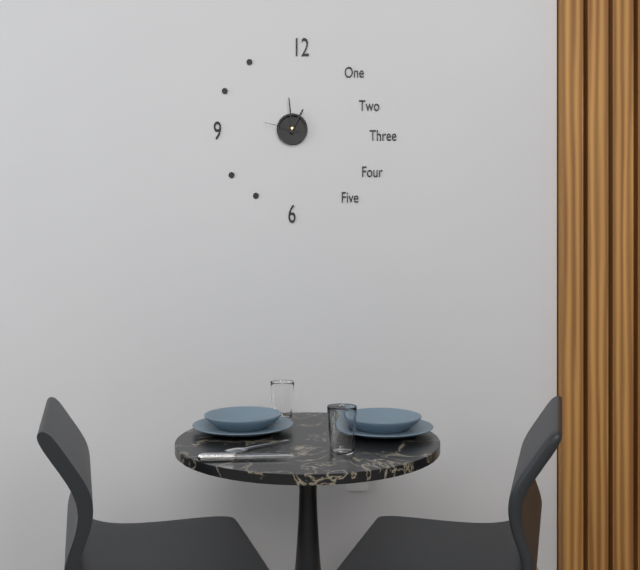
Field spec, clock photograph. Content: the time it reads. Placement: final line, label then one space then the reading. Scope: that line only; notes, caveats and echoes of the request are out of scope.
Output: 12:59
